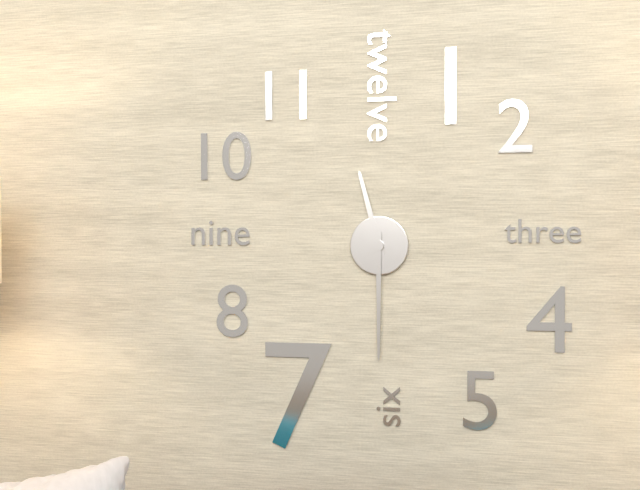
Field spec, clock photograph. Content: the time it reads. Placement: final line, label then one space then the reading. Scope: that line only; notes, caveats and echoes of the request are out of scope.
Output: 11:30
